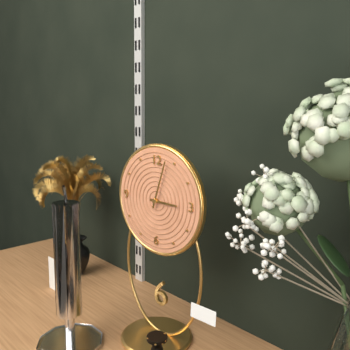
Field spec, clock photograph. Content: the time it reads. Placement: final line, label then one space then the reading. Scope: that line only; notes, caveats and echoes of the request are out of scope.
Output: 3:03
